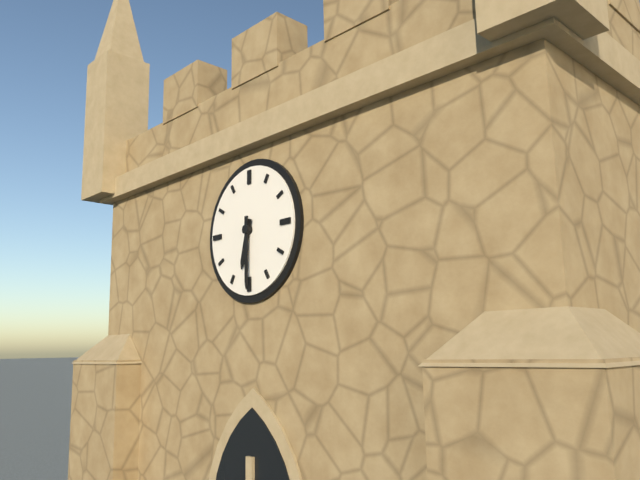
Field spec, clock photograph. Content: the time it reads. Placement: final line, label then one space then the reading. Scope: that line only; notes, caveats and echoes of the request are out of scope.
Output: 6:30
